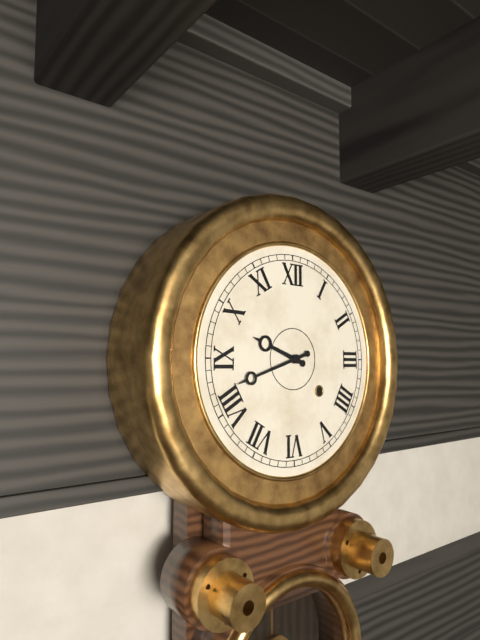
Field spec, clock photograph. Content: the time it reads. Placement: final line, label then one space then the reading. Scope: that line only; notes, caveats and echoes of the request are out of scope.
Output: 9:42
